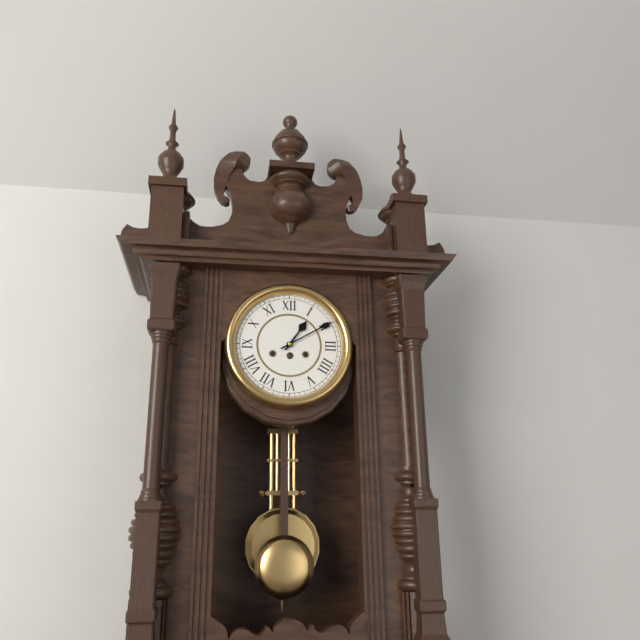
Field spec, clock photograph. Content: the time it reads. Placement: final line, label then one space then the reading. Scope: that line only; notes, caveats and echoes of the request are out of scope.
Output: 1:10
